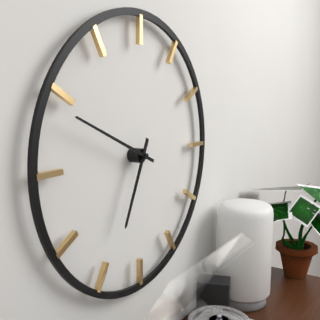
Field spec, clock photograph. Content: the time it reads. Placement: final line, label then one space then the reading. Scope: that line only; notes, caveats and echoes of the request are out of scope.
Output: 6:49
